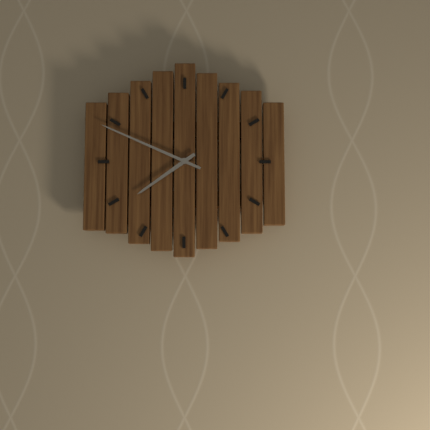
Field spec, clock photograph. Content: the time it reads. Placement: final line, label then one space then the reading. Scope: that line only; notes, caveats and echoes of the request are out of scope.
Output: 7:49
